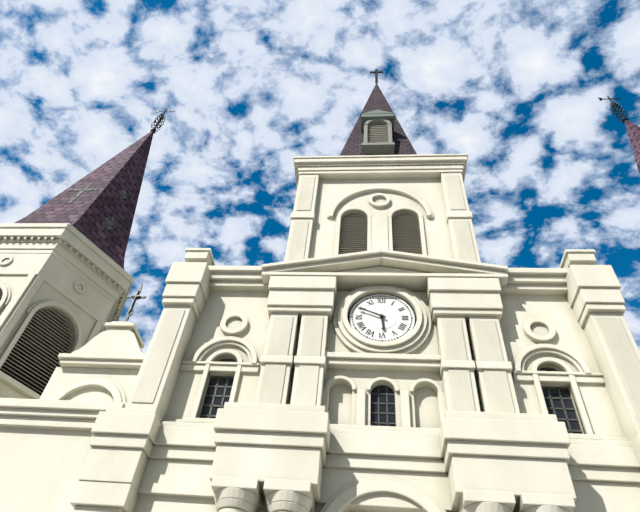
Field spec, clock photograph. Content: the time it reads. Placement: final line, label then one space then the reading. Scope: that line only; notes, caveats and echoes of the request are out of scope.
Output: 5:49
